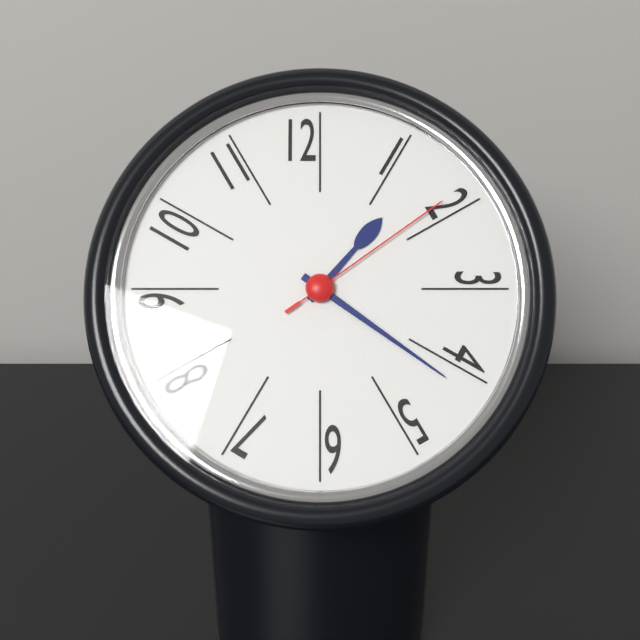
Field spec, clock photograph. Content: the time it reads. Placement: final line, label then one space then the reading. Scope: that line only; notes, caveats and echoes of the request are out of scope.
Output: 1:21:09
